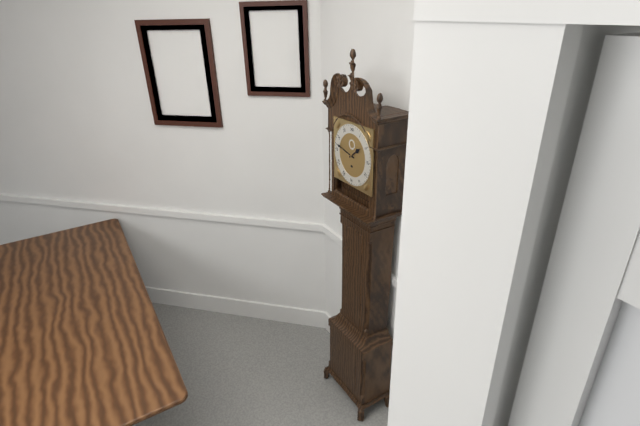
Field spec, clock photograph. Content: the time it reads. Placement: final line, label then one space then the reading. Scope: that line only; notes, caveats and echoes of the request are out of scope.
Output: 1:47
